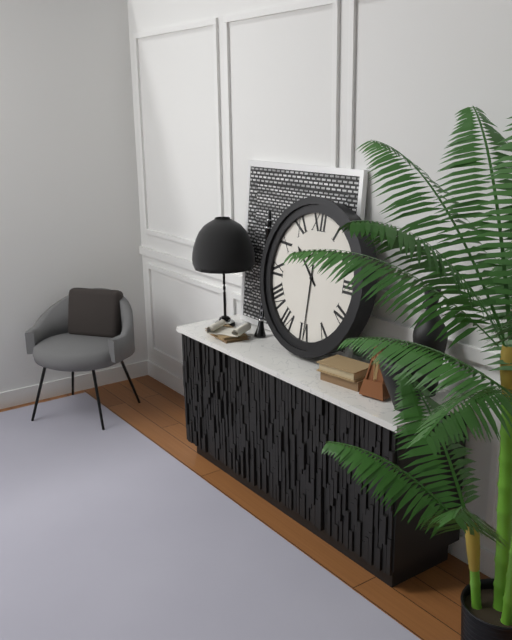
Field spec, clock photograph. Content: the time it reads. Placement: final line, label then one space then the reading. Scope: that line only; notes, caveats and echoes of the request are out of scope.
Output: 10:30
